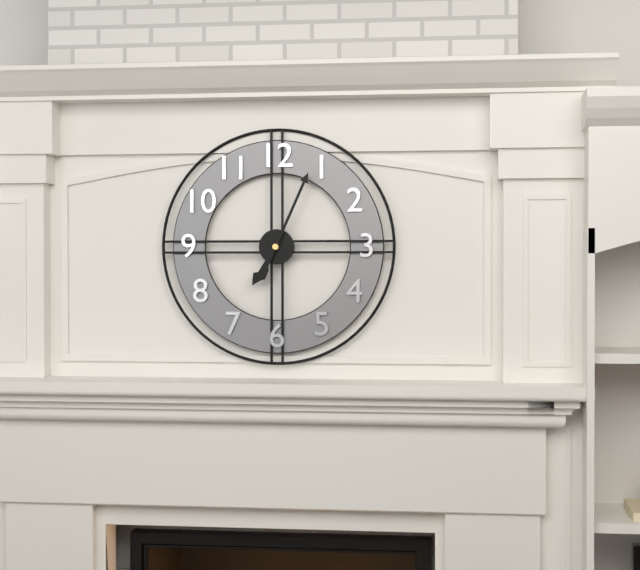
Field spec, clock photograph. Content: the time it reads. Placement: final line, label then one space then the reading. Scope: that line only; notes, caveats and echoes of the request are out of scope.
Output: 7:04
